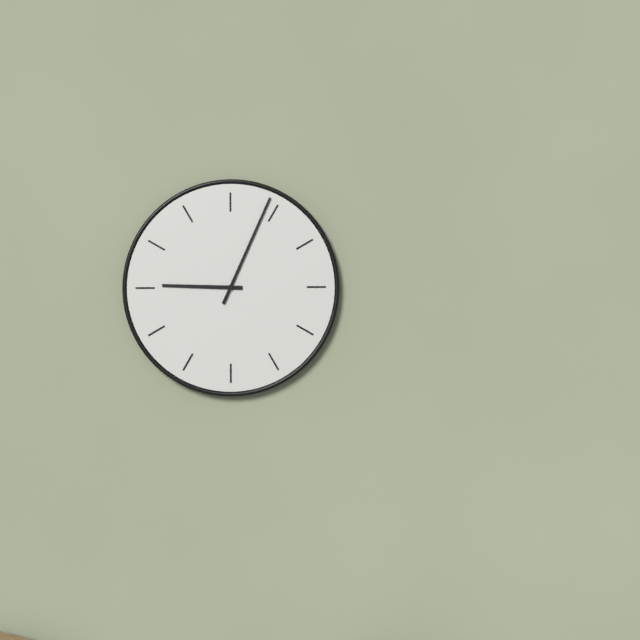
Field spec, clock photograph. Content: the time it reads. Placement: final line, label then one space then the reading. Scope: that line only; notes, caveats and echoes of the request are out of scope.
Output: 9:04
